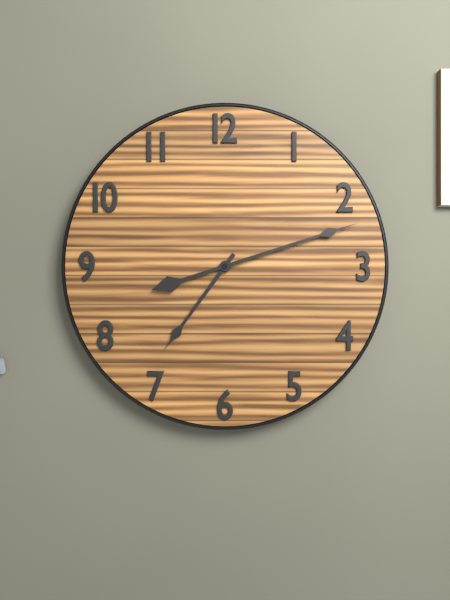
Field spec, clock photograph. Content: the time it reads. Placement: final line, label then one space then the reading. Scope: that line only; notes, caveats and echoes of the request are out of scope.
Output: 7:12
